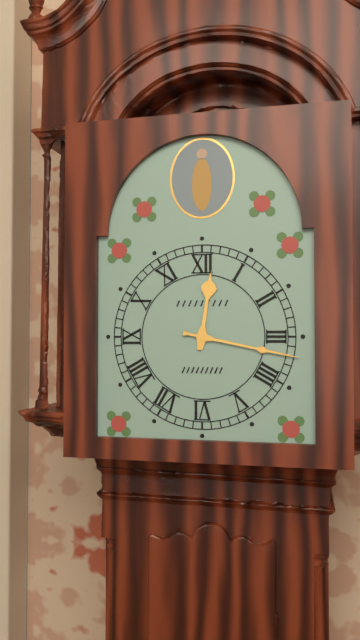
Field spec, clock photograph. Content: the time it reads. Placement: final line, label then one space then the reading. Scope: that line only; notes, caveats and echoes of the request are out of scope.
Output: 12:17
